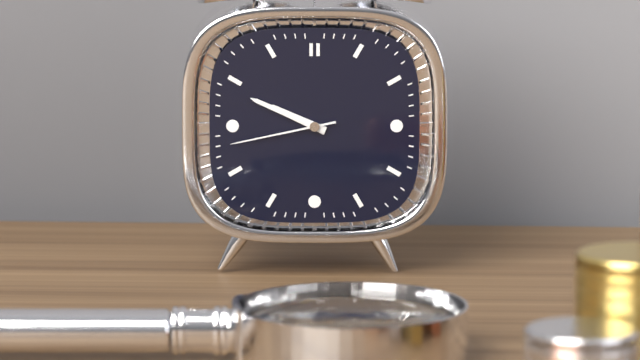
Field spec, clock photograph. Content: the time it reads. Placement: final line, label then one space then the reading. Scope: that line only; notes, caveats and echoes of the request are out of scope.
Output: 9:49:43
